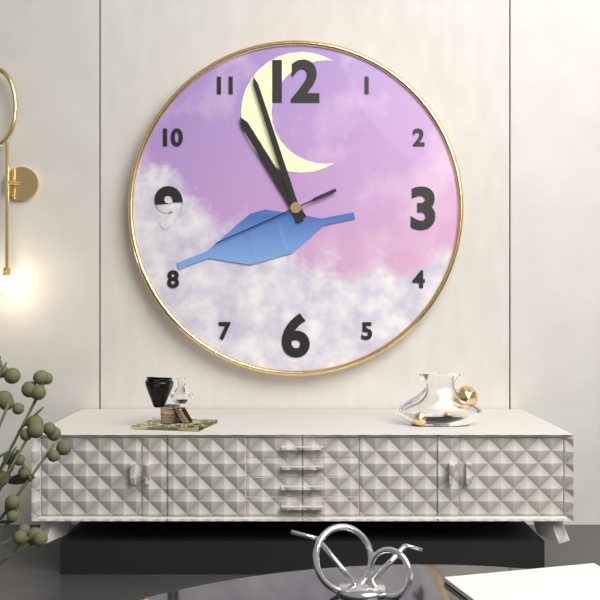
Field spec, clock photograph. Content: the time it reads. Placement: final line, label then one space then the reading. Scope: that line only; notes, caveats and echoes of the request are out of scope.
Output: 10:57:41
